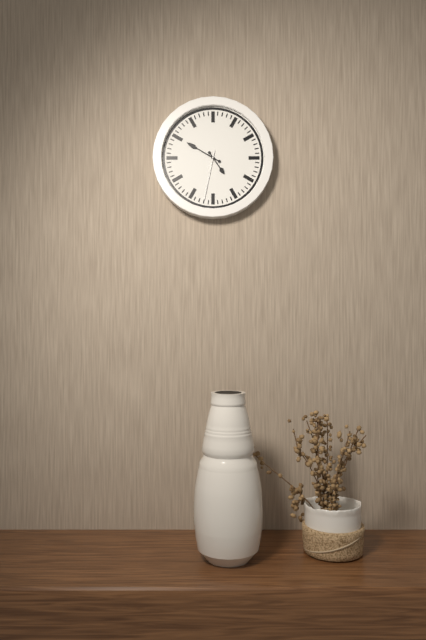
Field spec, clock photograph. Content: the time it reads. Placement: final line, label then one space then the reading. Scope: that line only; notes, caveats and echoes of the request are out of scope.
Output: 4:50:32
